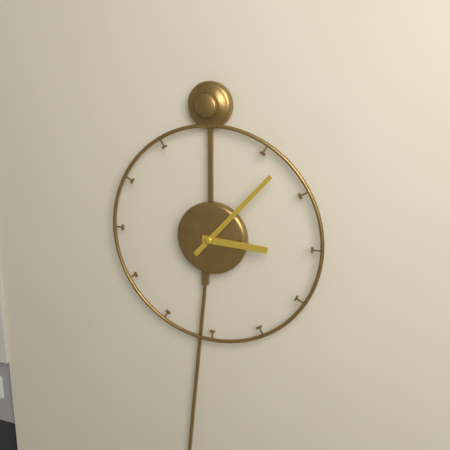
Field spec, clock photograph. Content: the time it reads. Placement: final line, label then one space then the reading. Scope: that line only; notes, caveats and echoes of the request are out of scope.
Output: 3:07
